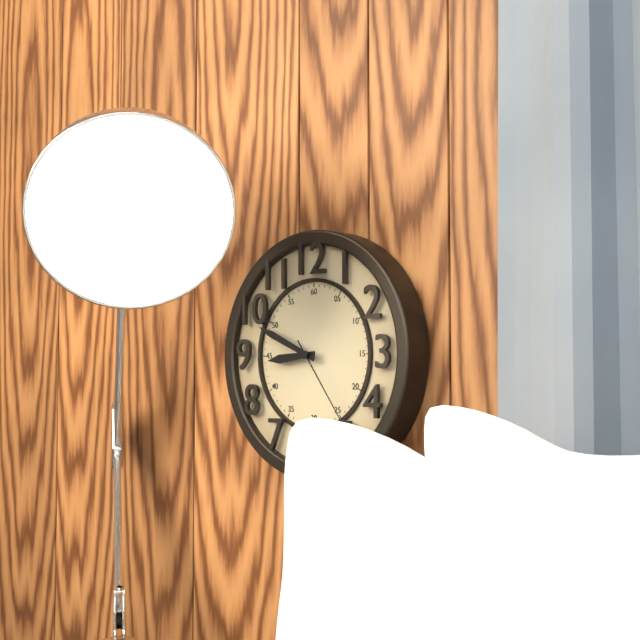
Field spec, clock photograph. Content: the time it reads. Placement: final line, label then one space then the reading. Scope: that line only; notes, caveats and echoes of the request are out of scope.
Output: 8:49:24
